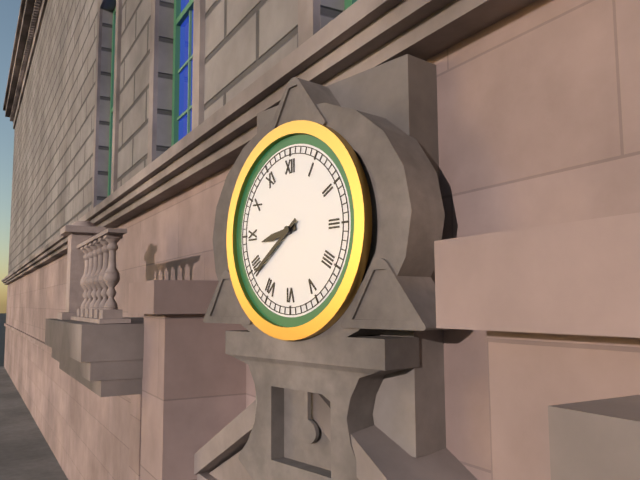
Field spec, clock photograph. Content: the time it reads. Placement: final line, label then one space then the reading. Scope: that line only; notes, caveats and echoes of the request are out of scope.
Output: 8:39
